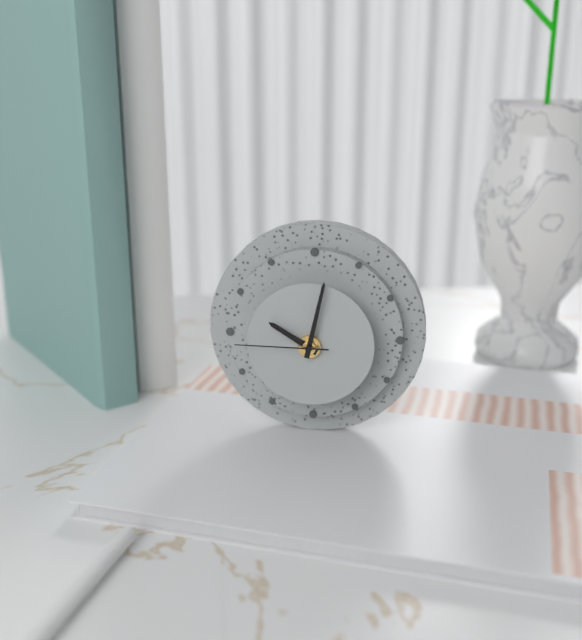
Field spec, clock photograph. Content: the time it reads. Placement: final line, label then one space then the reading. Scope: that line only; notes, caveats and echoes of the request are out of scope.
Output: 10:02:45
